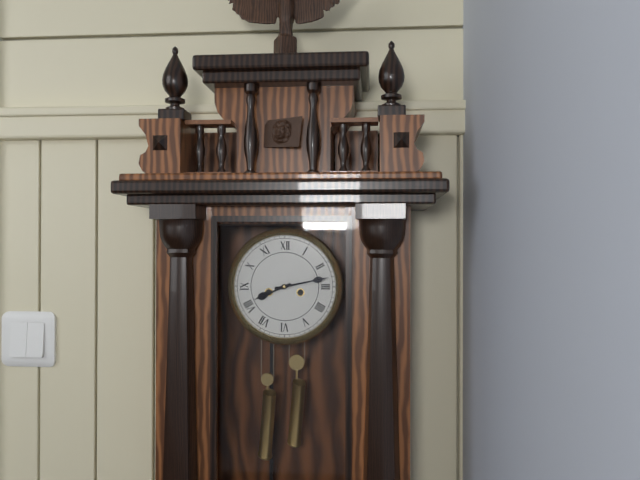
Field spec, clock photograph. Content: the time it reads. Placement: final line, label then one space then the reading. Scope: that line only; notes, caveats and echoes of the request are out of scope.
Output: 8:13
